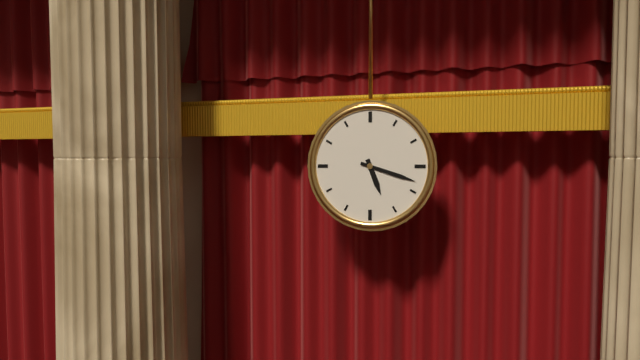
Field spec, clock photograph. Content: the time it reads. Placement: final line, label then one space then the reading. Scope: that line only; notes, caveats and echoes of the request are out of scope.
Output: 5:18
